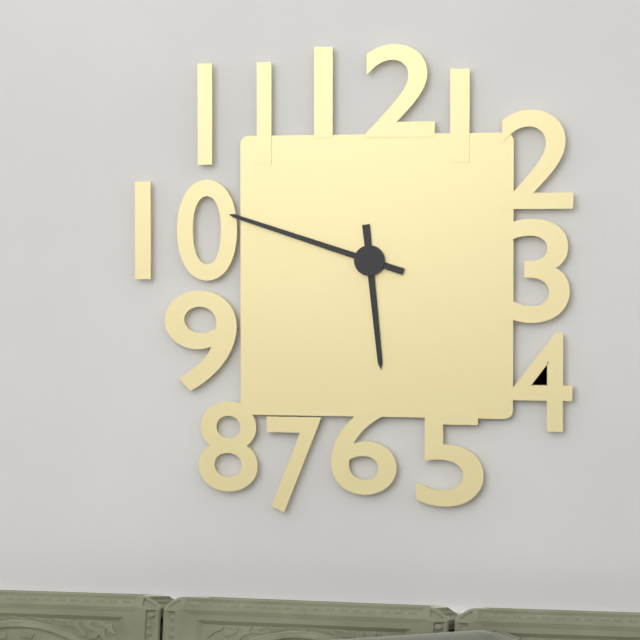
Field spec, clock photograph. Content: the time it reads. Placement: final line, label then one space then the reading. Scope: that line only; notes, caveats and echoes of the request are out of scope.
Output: 5:48
